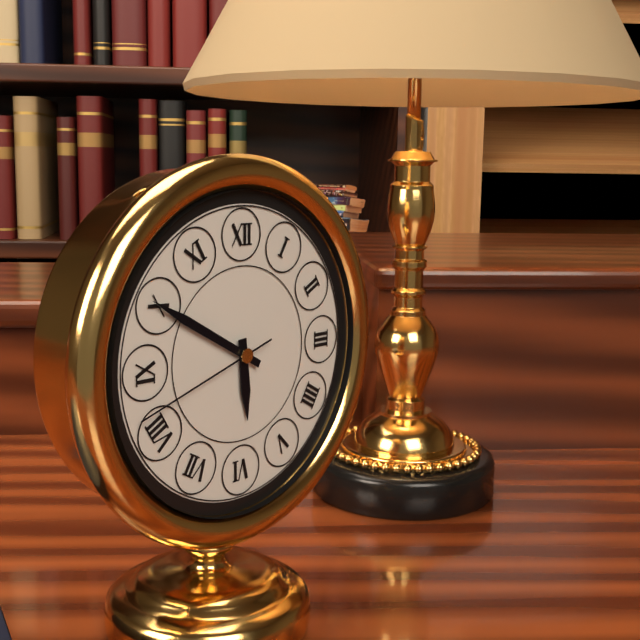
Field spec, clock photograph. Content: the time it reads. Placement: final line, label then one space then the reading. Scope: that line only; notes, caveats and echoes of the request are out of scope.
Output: 5:50:42
